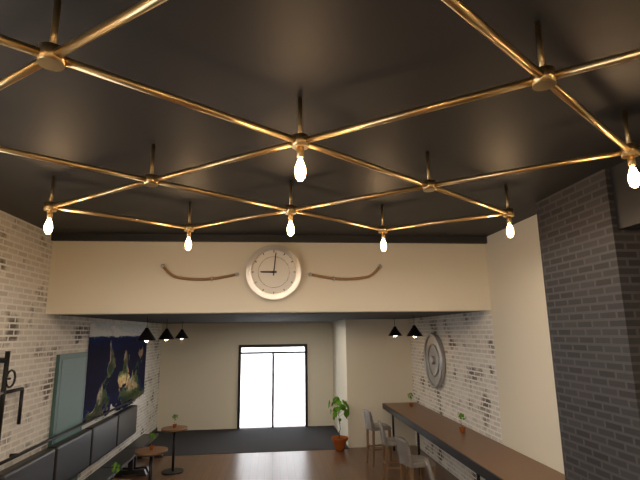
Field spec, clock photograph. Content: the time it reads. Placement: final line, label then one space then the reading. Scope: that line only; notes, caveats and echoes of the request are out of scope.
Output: 9:01
